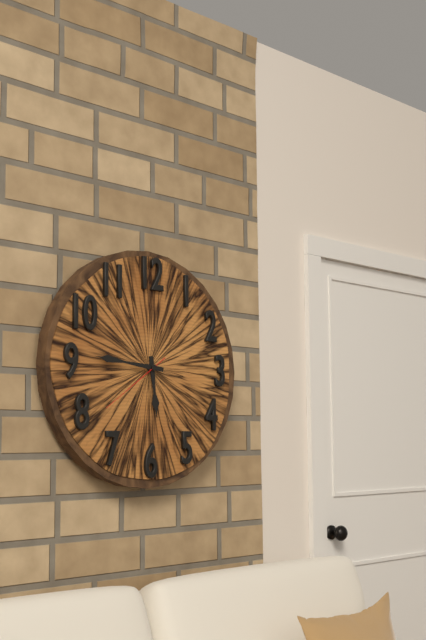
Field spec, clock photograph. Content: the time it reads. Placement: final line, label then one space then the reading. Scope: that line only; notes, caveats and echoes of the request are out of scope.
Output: 5:46:39
